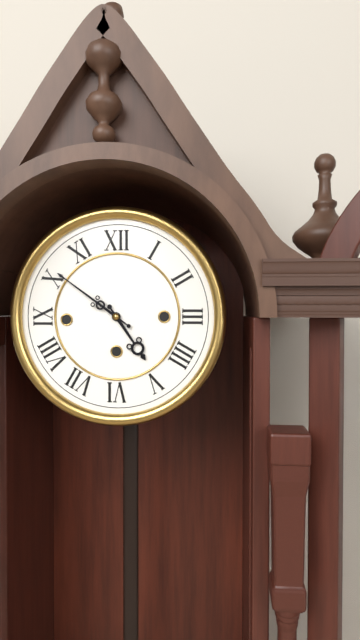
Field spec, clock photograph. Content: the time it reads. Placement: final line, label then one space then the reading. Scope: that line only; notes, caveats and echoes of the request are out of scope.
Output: 4:51
